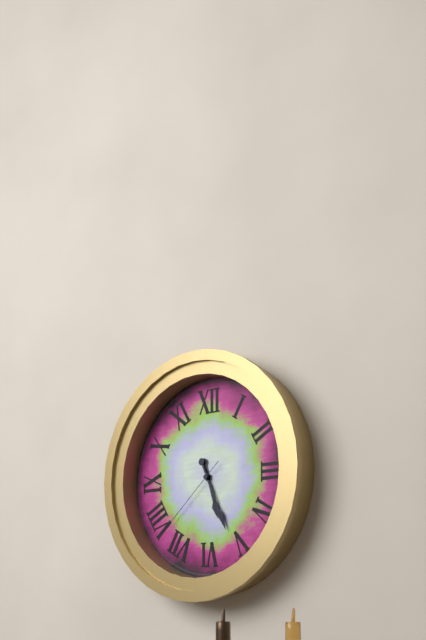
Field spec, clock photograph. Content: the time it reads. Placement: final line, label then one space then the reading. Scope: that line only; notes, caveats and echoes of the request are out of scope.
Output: 5:26:38
